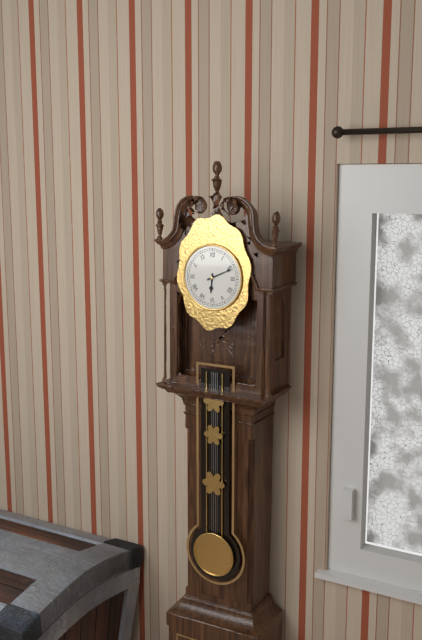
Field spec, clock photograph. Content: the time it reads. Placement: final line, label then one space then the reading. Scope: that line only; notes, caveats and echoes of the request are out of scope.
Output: 6:11
